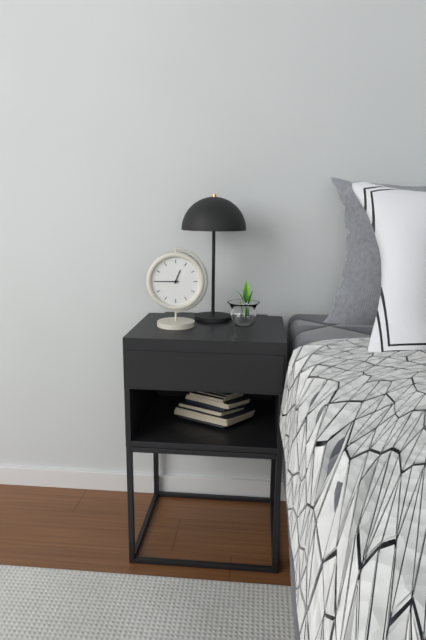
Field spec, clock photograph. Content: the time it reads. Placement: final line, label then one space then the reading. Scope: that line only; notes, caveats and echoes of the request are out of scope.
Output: 12:45
